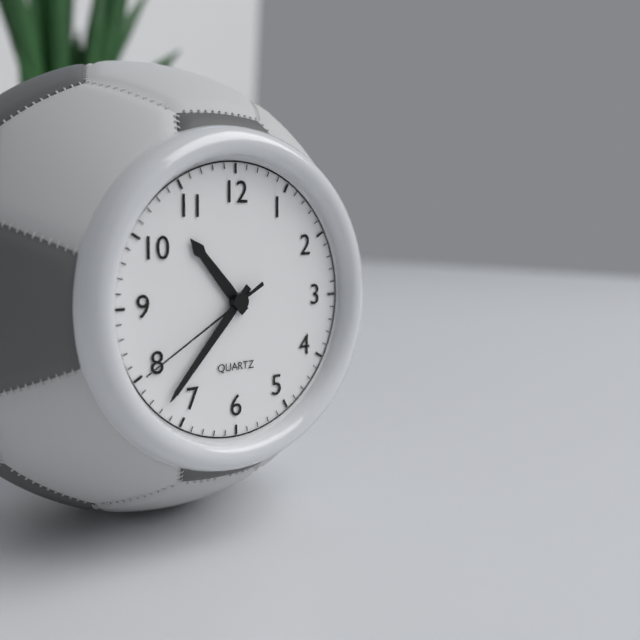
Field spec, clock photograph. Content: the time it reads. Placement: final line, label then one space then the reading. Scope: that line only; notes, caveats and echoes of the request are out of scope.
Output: 10:37:40
